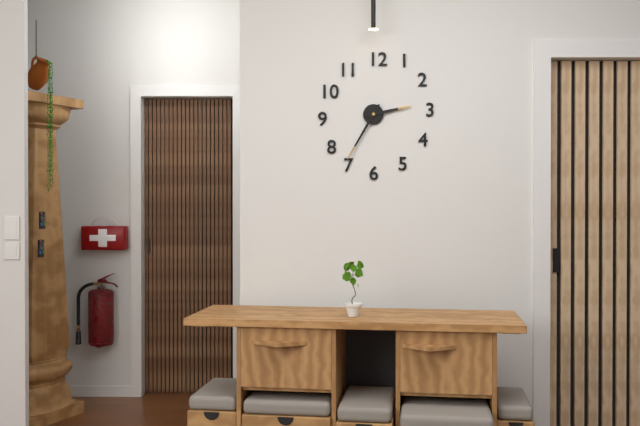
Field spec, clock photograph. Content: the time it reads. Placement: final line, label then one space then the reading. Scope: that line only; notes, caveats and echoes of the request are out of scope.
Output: 2:35
